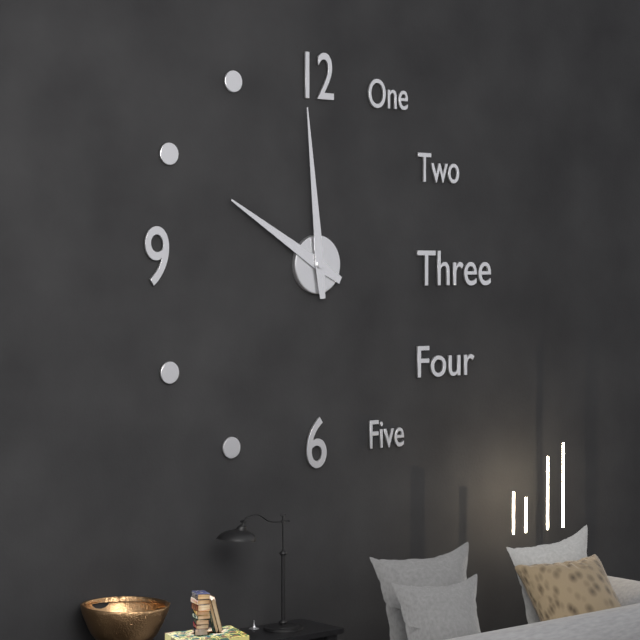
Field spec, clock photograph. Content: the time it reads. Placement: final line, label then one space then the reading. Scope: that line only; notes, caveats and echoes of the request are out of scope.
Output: 9:59
